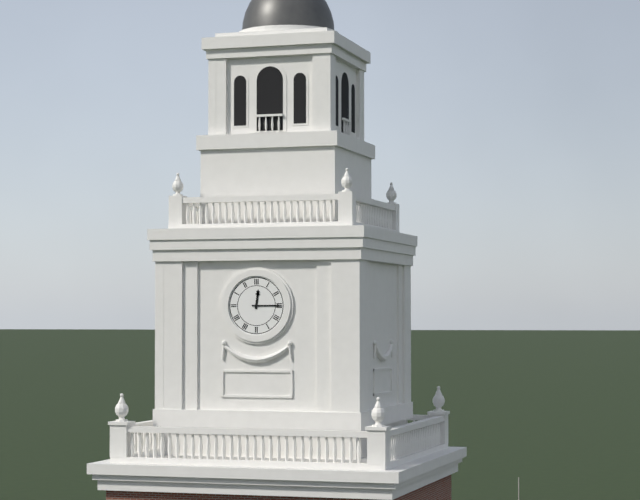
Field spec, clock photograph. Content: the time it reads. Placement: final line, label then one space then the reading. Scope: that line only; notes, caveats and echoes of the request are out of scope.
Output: 12:15
